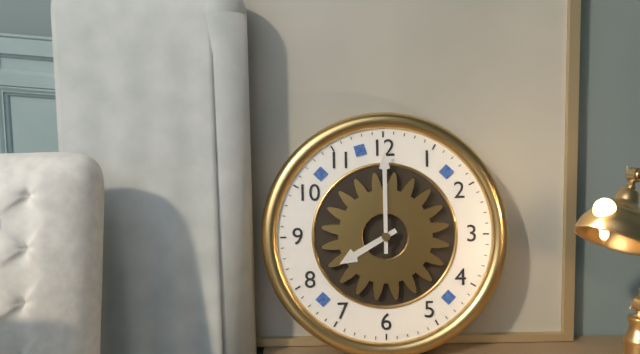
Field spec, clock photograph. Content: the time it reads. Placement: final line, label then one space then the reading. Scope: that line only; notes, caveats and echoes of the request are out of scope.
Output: 8:00
